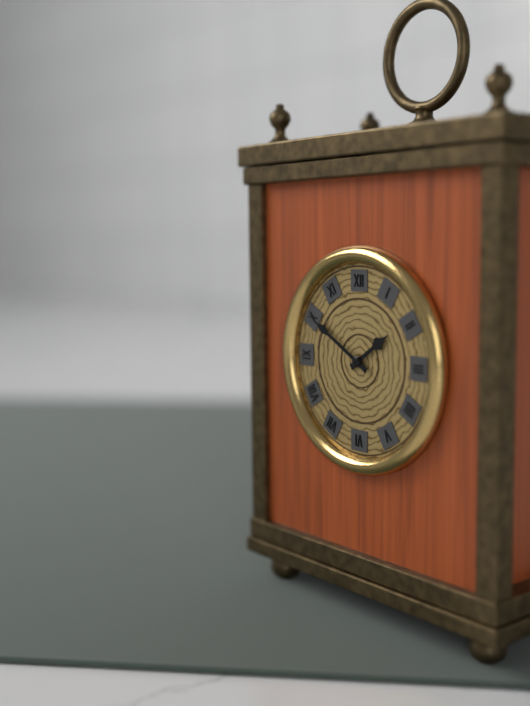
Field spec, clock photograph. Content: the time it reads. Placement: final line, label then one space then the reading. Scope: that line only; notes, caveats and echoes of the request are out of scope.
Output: 1:50
